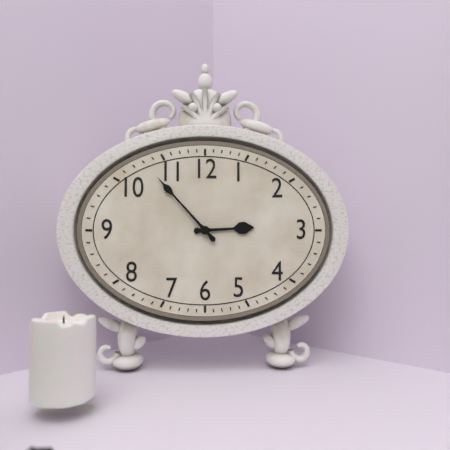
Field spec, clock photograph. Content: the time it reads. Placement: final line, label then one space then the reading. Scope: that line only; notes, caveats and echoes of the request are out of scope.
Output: 2:53
